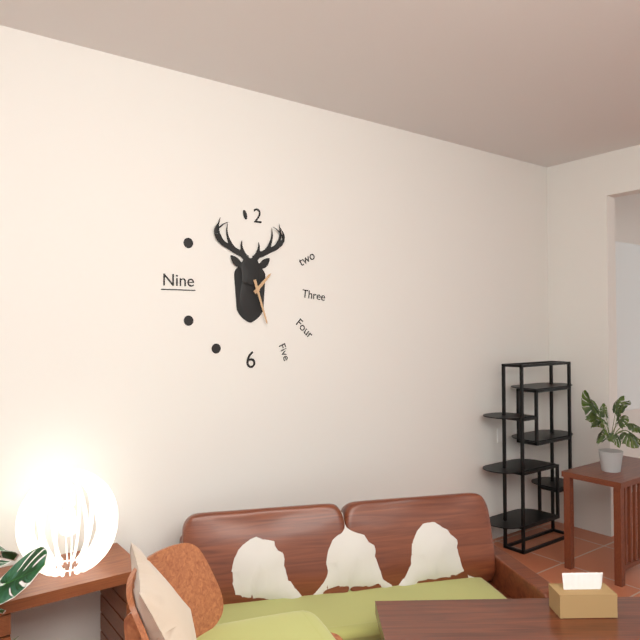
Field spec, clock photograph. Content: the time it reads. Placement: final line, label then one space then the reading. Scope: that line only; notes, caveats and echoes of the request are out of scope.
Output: 1:27
